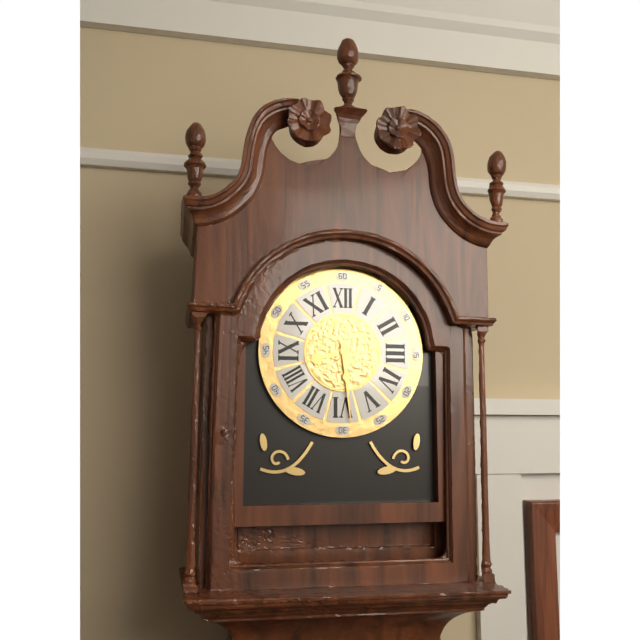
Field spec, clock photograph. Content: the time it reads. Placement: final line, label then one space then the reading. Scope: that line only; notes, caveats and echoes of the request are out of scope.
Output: 8:29
